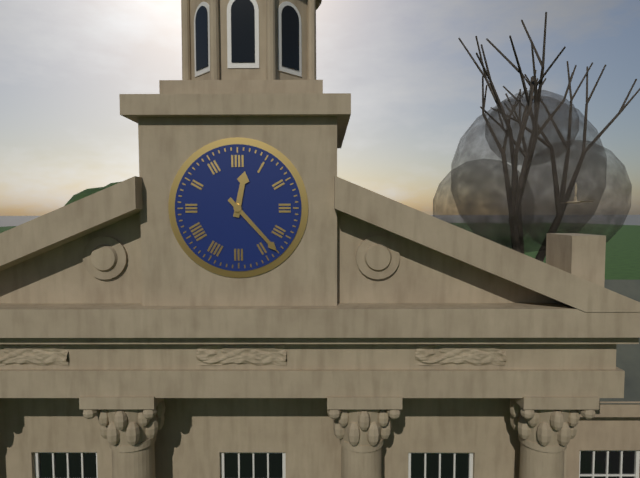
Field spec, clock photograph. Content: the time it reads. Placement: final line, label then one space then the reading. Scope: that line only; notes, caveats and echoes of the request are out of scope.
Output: 12:23
